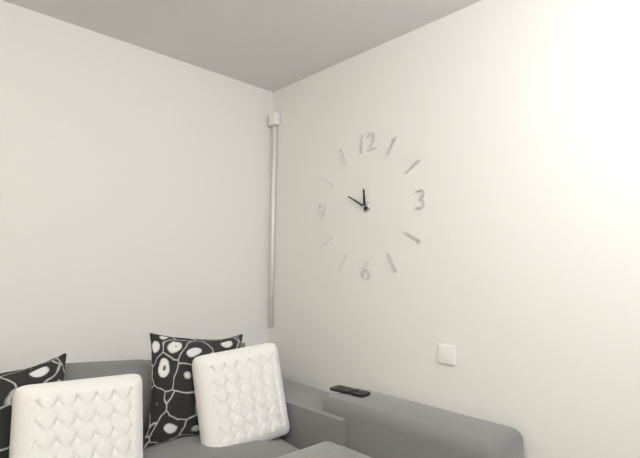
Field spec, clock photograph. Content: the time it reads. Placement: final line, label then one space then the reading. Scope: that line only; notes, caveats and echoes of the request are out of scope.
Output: 11:50
